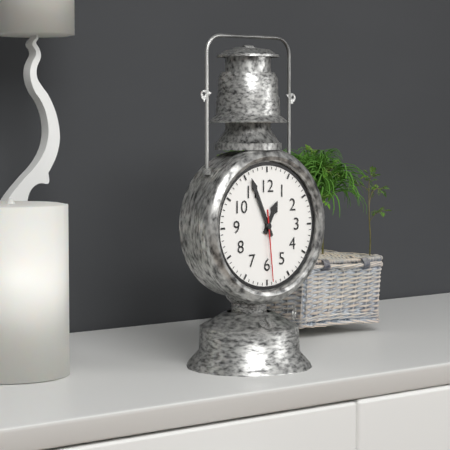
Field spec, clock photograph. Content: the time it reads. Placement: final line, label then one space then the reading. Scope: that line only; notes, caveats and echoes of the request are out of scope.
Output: 12:56:29
